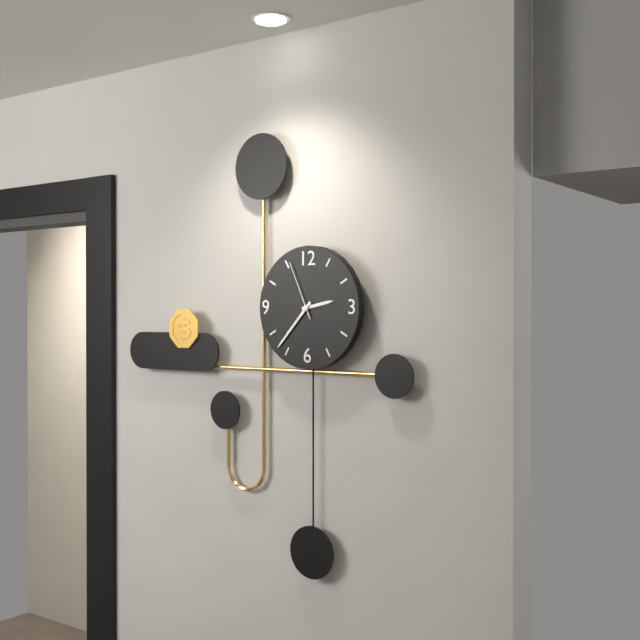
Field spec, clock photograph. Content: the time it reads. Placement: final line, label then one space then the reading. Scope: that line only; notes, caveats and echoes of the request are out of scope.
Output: 2:37:56
